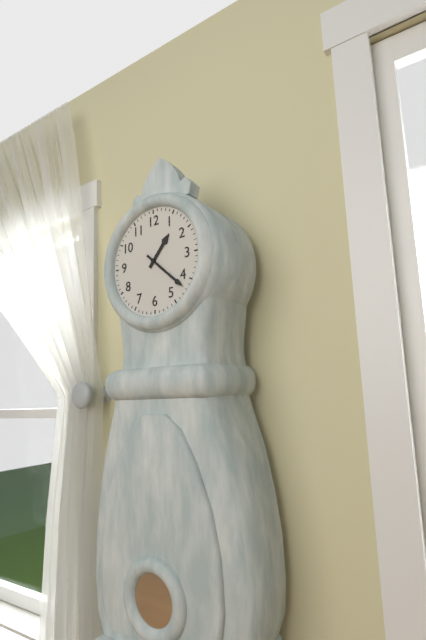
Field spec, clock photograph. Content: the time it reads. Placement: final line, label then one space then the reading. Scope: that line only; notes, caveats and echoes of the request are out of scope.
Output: 1:22
